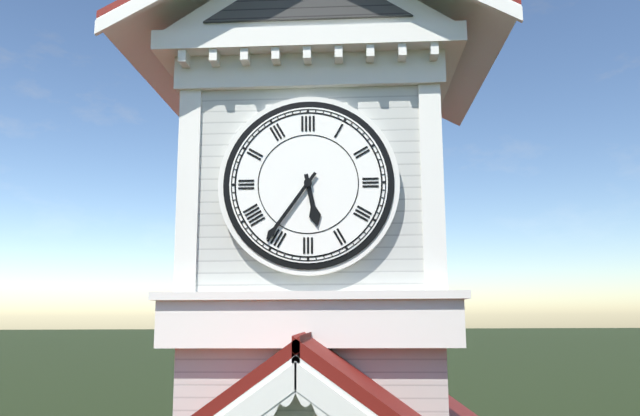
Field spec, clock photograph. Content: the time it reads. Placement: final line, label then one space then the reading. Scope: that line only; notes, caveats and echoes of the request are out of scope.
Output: 5:36
